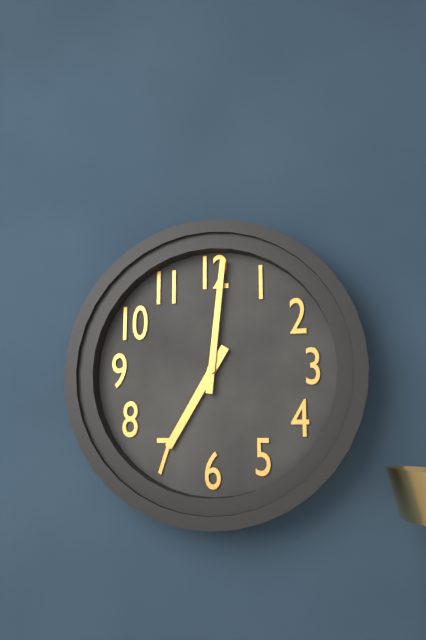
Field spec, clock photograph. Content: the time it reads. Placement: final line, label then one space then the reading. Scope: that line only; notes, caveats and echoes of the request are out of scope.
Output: 7:01
